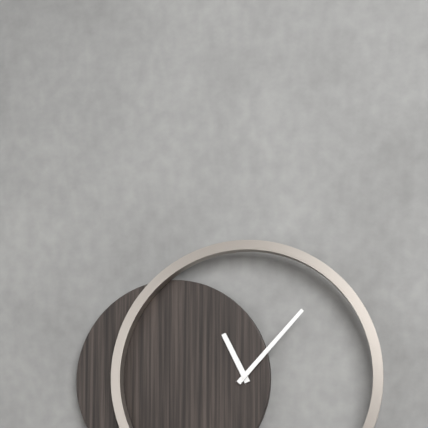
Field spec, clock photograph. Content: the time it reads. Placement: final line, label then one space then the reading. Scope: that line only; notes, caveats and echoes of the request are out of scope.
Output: 11:07
